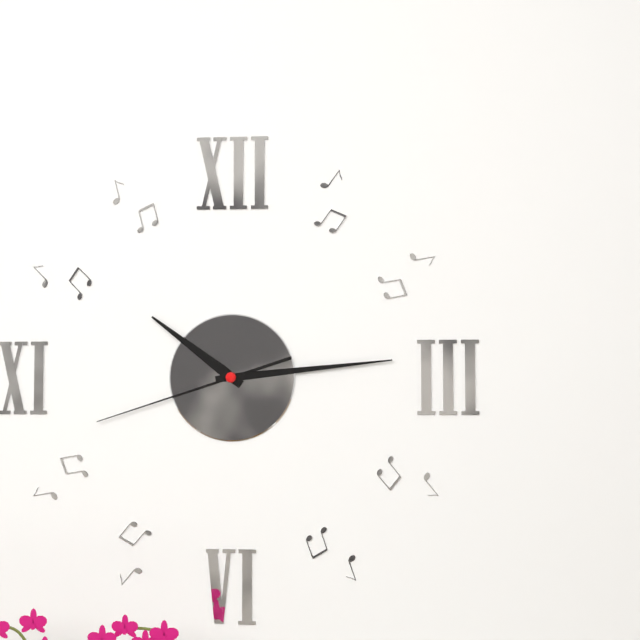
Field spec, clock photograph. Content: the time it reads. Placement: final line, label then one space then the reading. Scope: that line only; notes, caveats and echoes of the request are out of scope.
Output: 10:14:42
